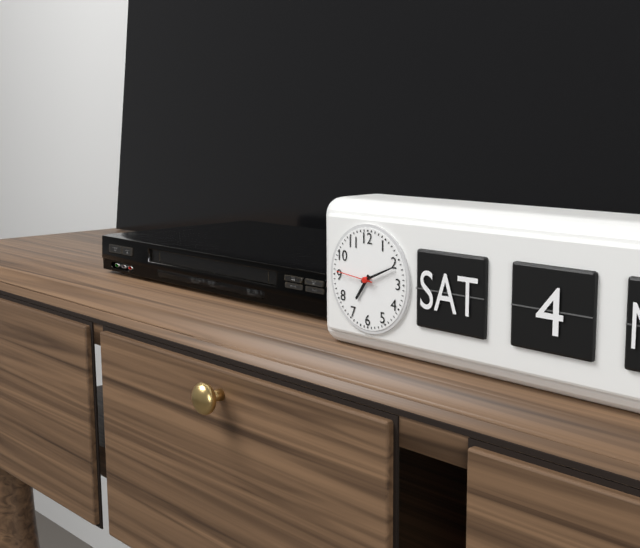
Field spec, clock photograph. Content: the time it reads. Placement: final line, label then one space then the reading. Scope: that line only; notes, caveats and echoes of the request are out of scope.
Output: 7:11
